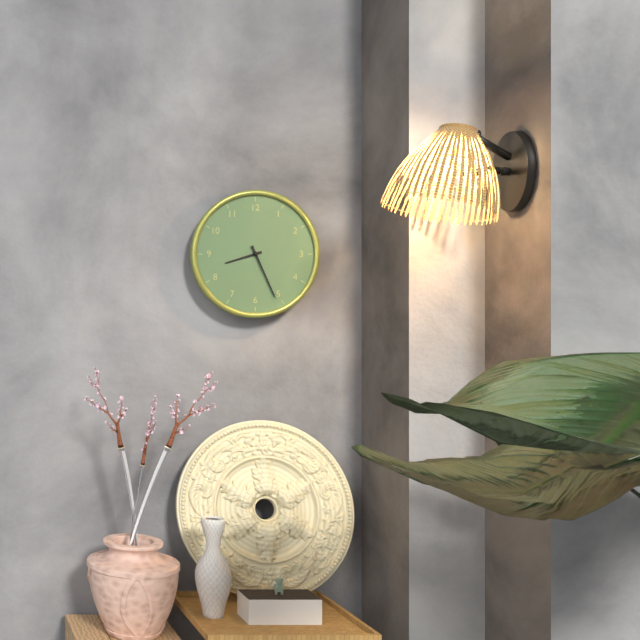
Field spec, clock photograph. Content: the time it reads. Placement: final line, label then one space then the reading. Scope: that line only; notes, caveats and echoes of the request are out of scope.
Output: 8:26
